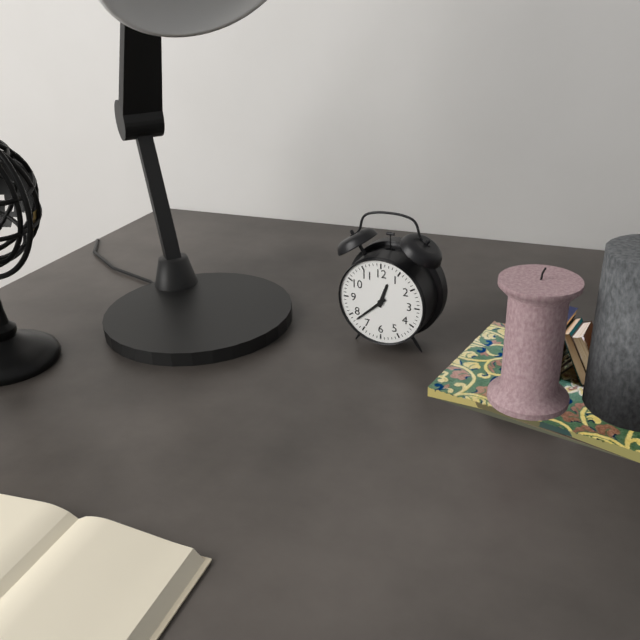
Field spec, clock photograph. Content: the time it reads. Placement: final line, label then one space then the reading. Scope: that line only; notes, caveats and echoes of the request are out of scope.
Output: 12:38
